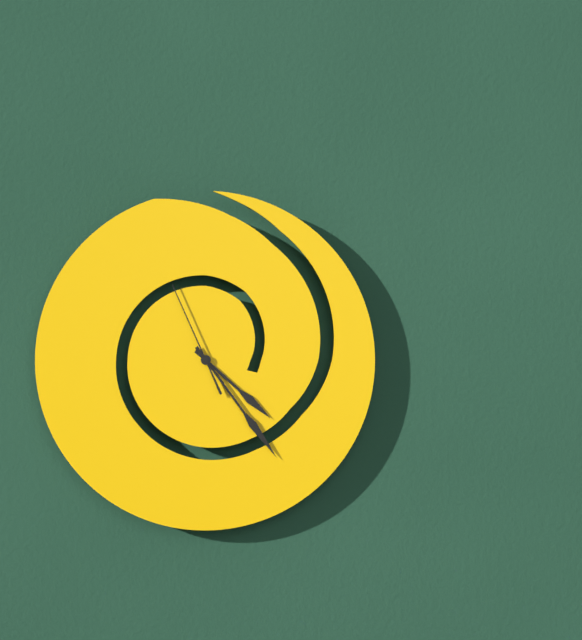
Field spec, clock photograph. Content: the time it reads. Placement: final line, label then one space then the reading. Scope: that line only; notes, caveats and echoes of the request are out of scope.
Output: 4:24:56
